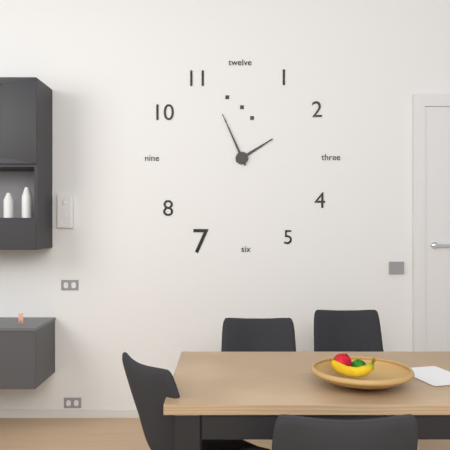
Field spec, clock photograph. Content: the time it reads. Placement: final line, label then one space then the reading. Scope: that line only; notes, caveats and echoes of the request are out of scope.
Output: 1:56
